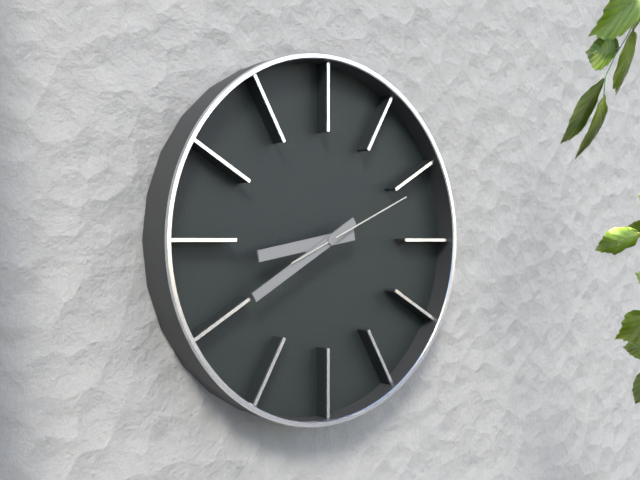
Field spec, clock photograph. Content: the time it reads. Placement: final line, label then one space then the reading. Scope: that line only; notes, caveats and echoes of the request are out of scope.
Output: 8:40:11
